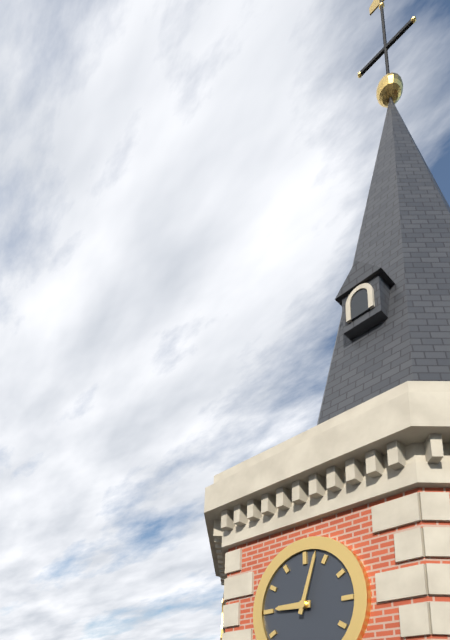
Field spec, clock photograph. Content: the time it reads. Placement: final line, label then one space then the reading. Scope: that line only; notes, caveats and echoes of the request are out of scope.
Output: 9:03
